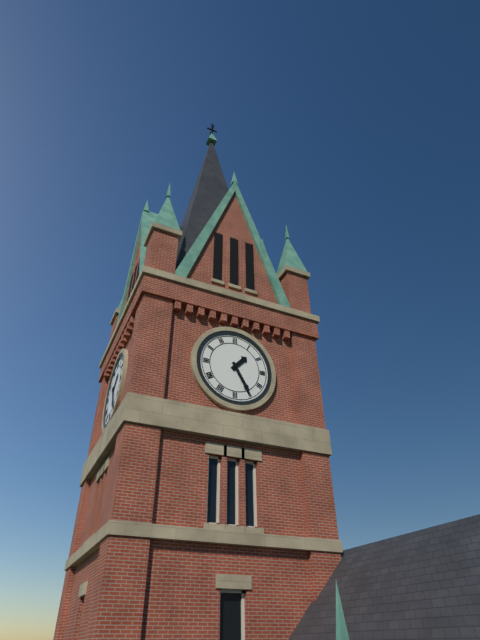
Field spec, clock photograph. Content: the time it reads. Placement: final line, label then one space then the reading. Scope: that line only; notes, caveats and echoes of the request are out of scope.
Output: 1:25
